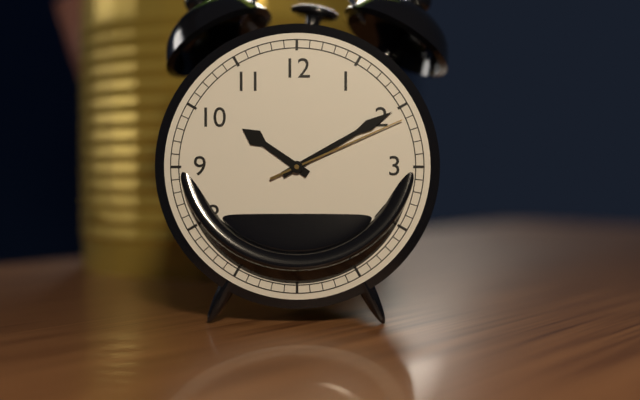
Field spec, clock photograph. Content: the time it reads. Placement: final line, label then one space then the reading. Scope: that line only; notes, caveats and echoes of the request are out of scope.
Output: 10:10:11
